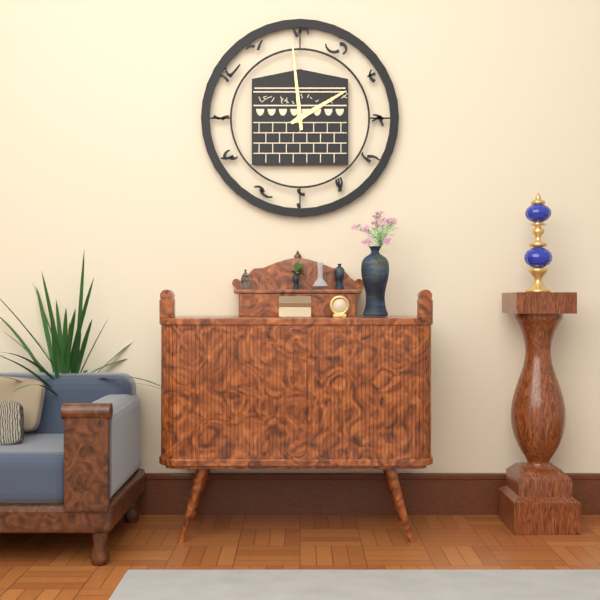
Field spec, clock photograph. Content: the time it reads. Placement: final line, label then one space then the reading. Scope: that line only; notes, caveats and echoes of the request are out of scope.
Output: 1:59
